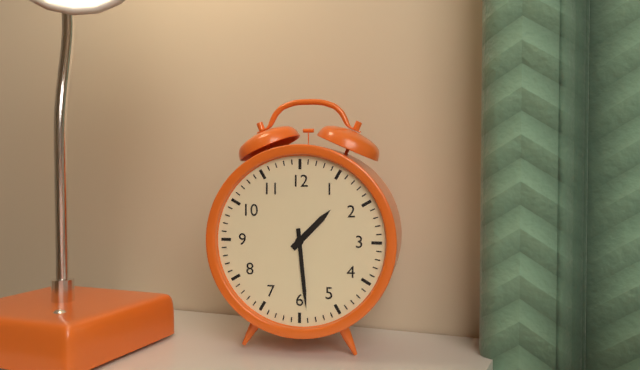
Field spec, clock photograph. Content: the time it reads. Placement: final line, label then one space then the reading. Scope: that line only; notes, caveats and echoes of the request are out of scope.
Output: 1:29
